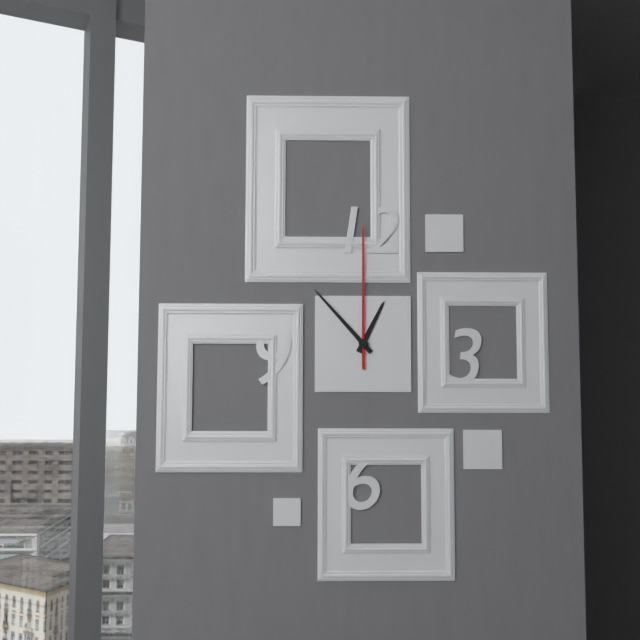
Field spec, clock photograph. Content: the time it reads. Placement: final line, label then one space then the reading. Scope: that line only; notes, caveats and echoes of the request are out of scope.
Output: 12:53:00
